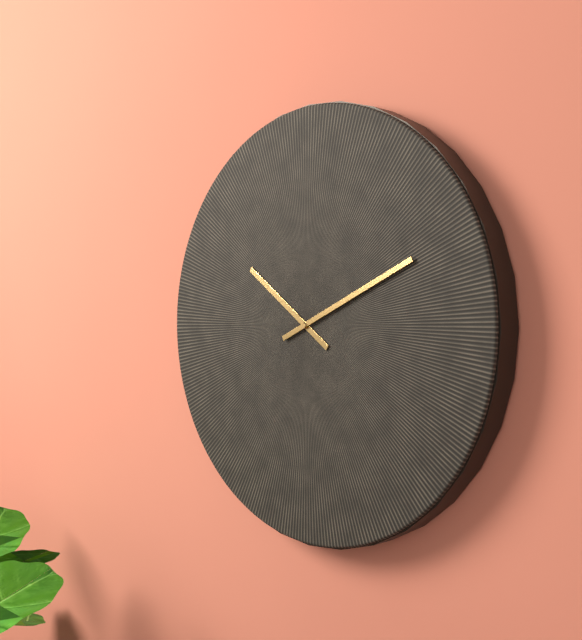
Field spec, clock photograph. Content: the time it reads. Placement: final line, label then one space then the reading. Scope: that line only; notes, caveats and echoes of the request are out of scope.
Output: 10:11
